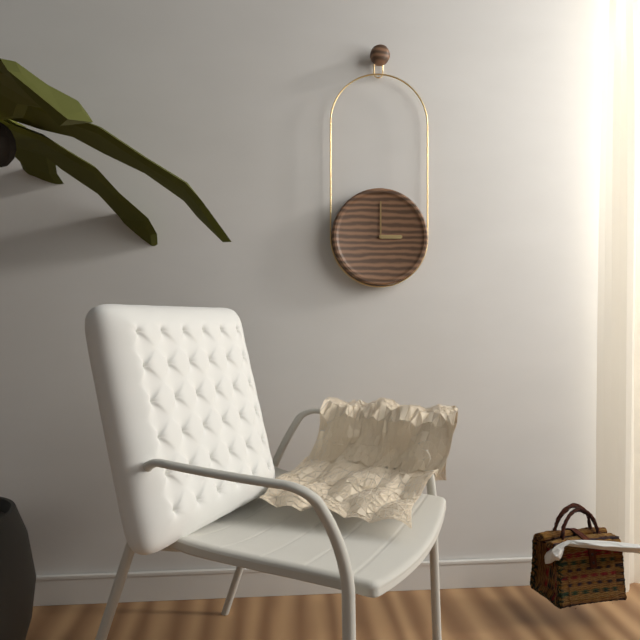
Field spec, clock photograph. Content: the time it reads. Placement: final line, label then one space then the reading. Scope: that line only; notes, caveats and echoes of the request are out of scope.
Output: 3:00
